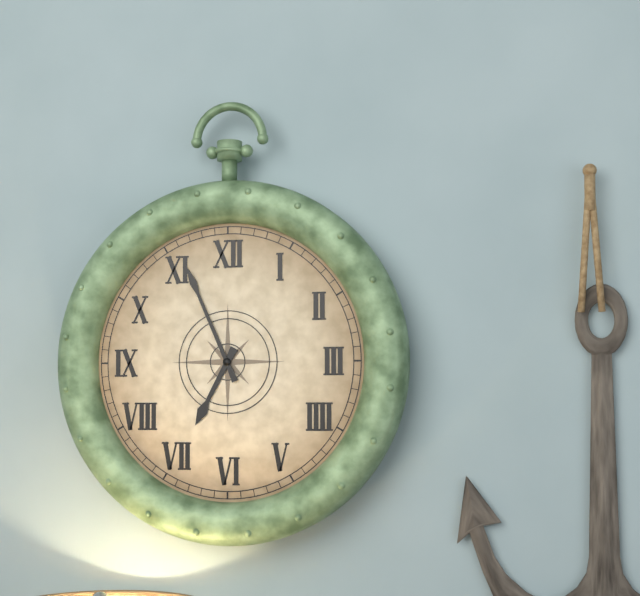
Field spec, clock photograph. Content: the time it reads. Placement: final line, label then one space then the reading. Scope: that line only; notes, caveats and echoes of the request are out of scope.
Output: 6:56
